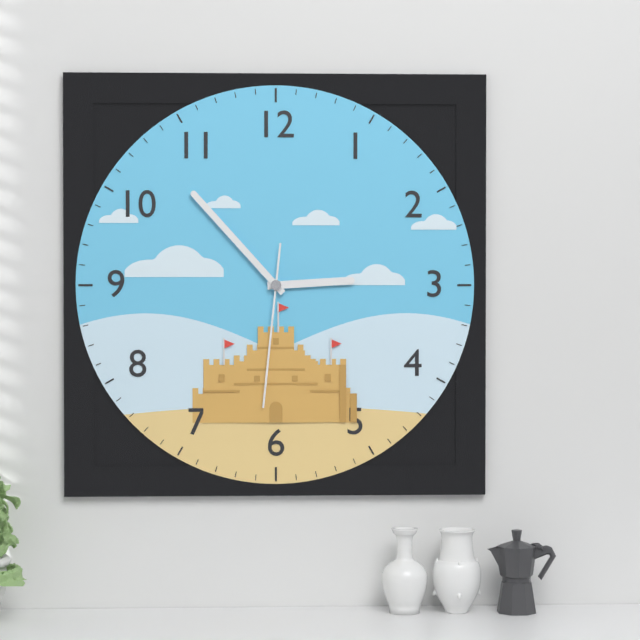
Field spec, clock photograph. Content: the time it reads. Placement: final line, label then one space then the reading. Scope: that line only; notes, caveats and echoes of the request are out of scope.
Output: 2:53:31
